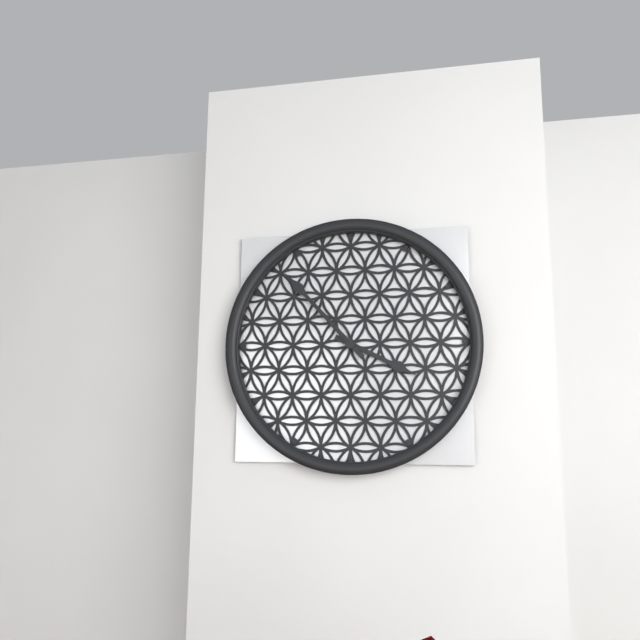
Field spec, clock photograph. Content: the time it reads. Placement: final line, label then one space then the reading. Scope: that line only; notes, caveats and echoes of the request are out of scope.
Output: 3:53
